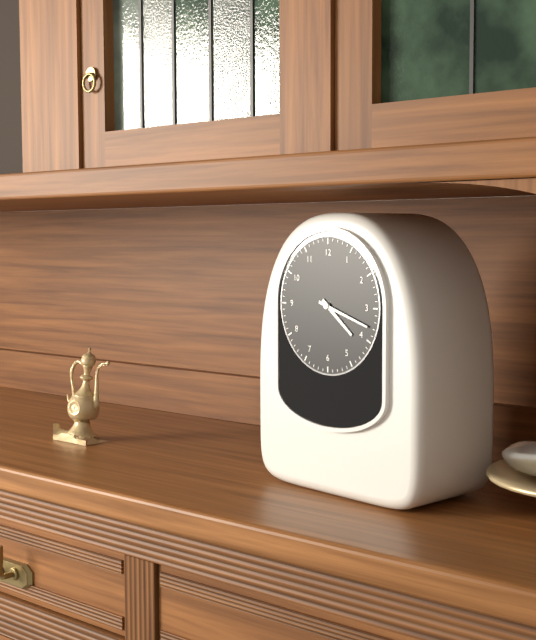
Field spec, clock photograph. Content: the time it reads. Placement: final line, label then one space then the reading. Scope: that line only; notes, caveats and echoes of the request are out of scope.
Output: 4:18
